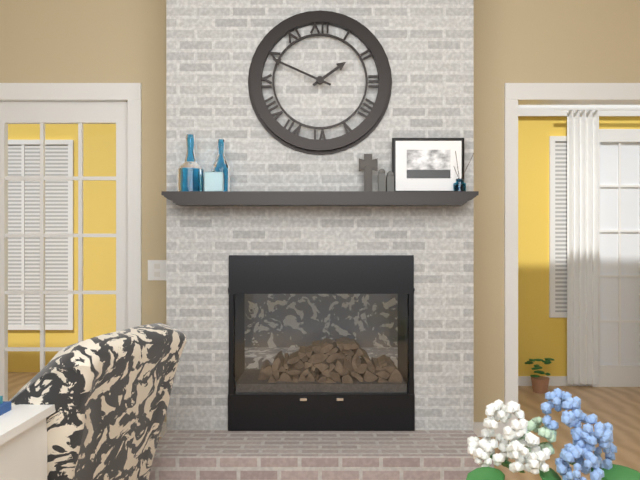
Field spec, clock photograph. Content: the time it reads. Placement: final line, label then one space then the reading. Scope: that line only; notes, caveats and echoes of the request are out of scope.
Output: 1:49
